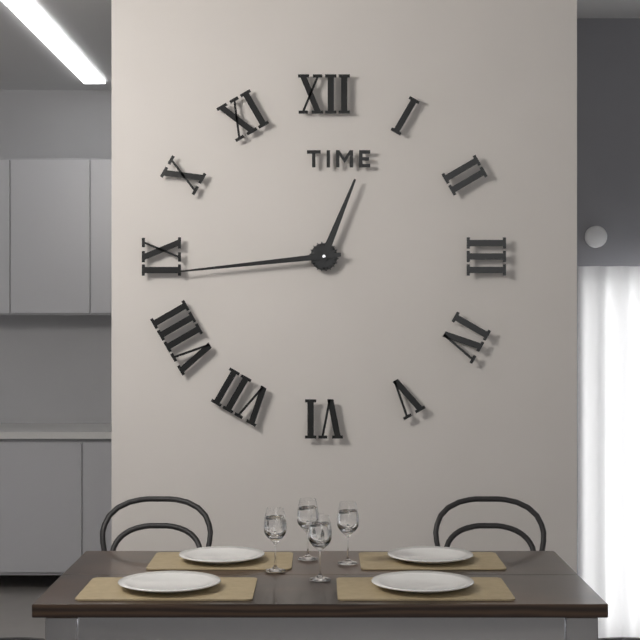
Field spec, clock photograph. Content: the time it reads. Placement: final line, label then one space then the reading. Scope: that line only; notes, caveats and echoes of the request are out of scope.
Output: 12:44
